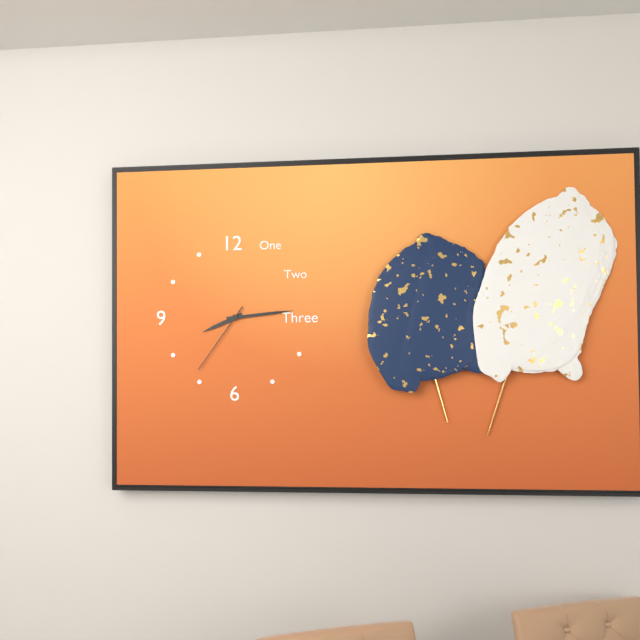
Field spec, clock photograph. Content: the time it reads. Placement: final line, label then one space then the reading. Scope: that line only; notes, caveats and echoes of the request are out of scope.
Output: 8:14:36
